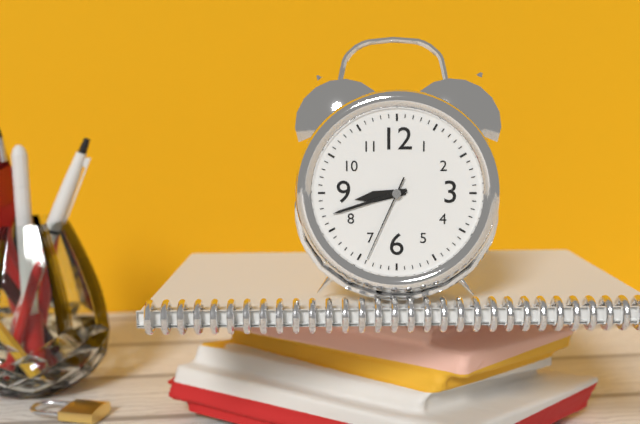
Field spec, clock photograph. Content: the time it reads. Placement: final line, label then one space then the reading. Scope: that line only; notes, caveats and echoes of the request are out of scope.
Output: 8:42:34
